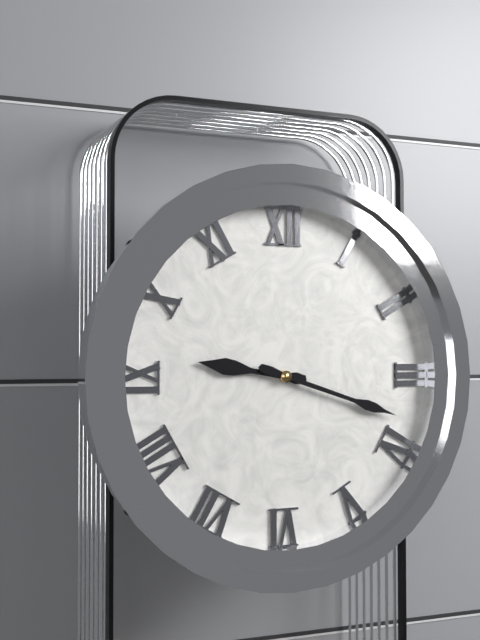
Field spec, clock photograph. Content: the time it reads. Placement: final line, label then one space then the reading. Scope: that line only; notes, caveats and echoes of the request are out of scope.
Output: 9:18
